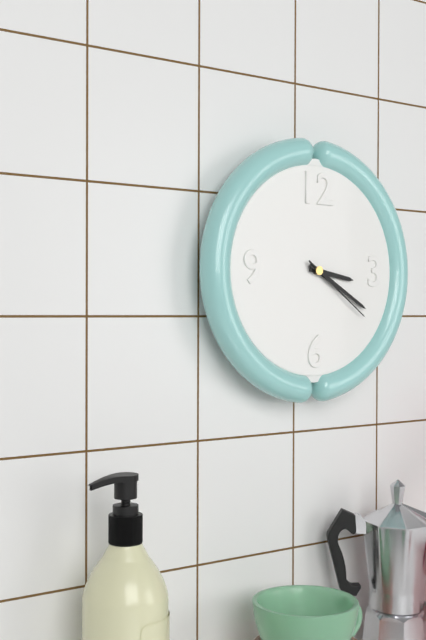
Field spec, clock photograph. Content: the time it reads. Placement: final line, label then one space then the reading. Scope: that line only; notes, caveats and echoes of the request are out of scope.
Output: 3:20:21
